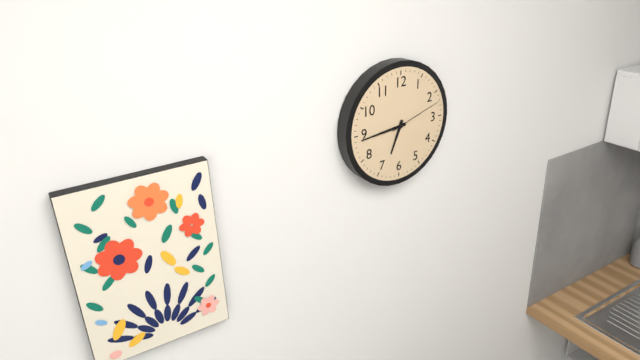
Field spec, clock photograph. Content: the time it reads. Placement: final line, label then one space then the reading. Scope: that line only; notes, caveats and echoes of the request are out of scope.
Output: 6:44:12
